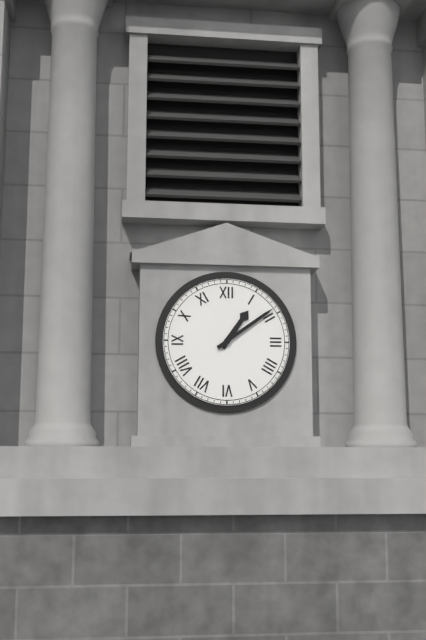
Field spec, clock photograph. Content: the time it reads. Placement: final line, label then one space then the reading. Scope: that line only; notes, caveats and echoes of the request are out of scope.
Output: 1:09
